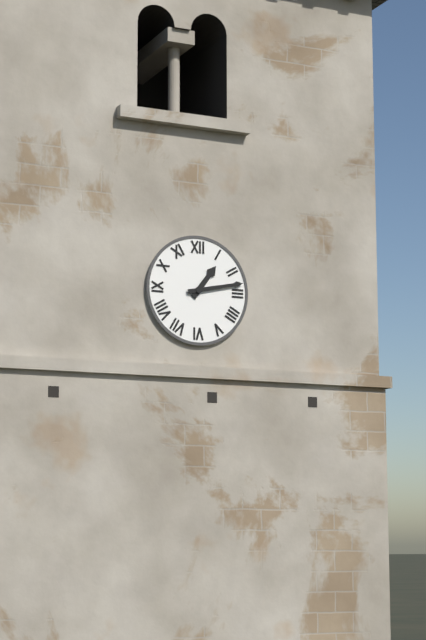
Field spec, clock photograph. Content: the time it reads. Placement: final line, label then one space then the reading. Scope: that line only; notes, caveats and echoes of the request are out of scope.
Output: 1:13
